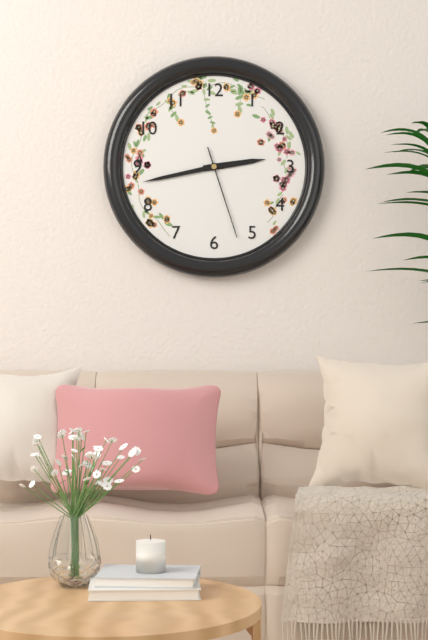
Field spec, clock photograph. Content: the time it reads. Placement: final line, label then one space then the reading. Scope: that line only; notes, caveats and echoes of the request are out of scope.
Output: 2:43:27
